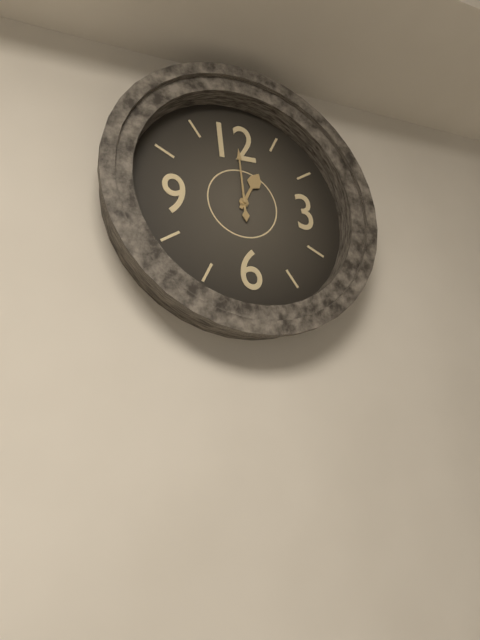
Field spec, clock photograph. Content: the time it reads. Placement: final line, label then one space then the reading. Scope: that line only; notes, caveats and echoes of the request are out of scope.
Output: 1:00
